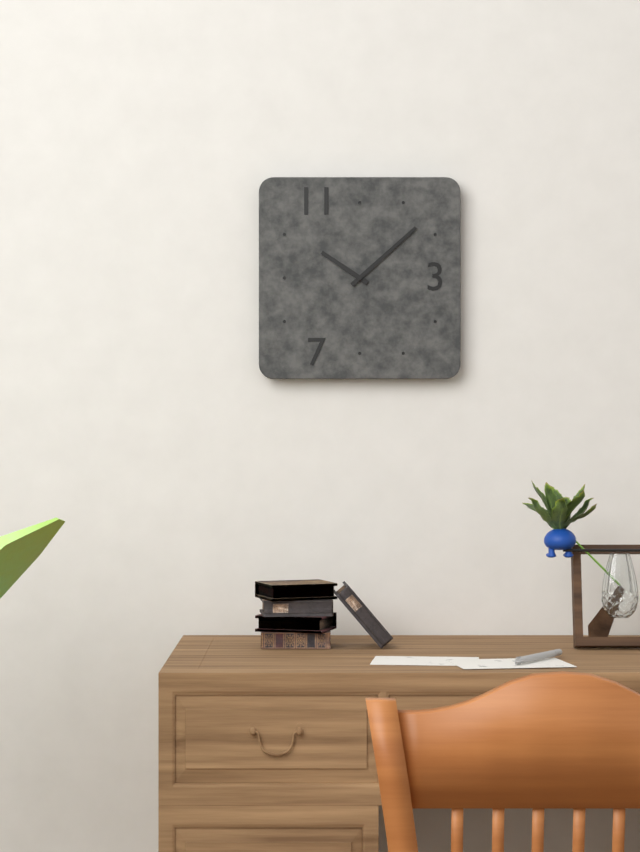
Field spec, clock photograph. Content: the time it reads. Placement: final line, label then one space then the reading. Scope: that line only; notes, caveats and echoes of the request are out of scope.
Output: 10:08
